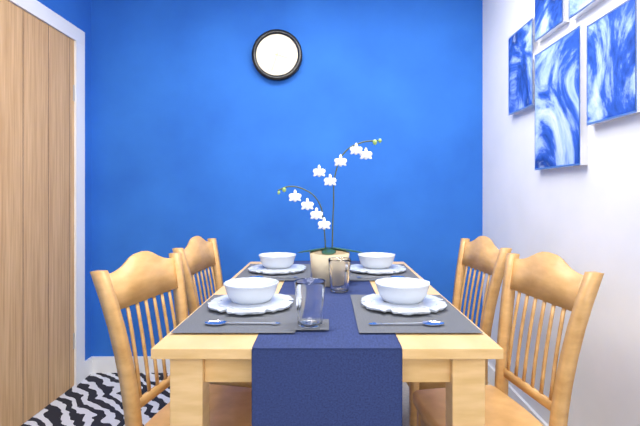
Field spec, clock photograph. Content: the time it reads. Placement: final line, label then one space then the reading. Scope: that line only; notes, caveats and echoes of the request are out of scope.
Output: 3:33
